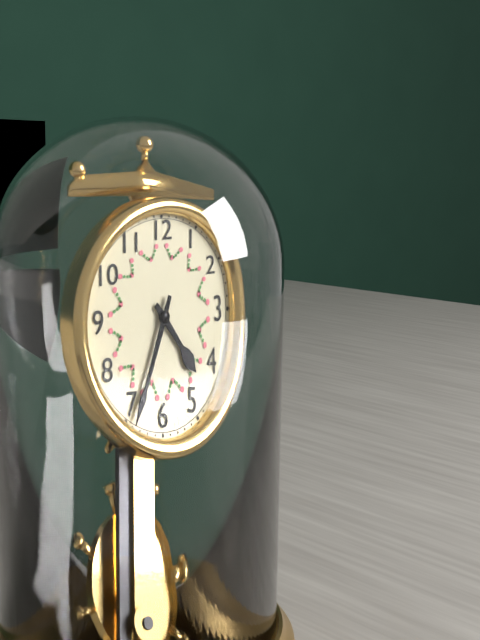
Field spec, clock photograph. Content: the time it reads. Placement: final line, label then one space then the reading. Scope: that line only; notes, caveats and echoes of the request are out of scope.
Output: 4:34
